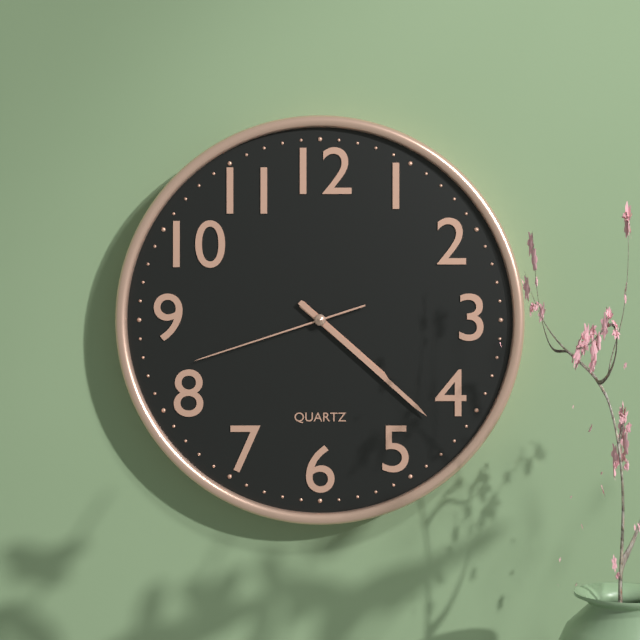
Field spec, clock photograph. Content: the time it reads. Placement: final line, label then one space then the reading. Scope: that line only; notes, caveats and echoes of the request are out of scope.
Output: 4:22:42
